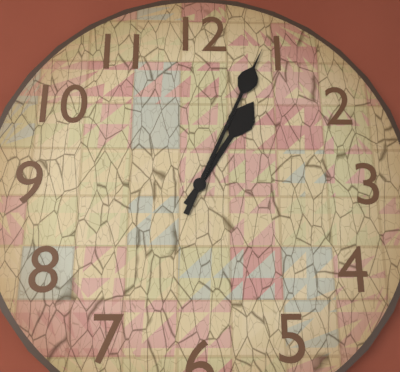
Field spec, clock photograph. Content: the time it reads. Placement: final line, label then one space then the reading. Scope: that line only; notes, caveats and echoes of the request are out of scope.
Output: 1:04
